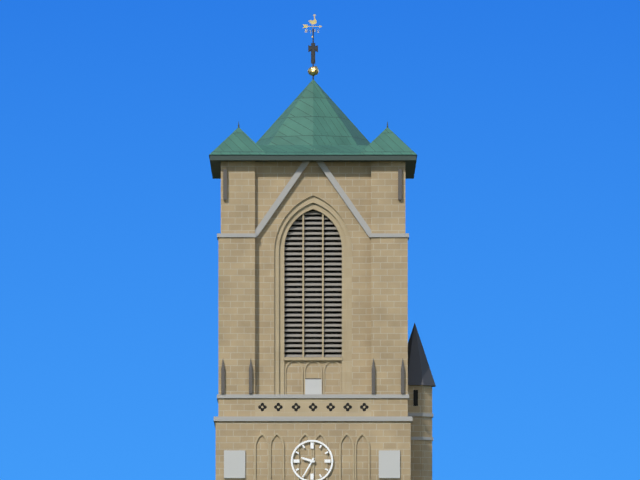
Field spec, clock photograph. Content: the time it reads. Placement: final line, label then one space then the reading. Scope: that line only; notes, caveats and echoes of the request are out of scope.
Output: 9:35
